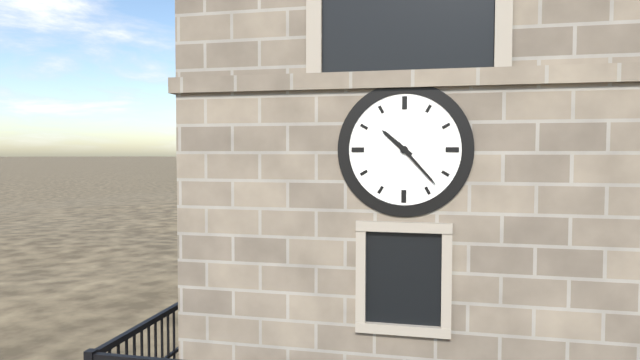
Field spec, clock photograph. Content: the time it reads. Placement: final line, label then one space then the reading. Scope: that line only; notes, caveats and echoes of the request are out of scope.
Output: 10:23
